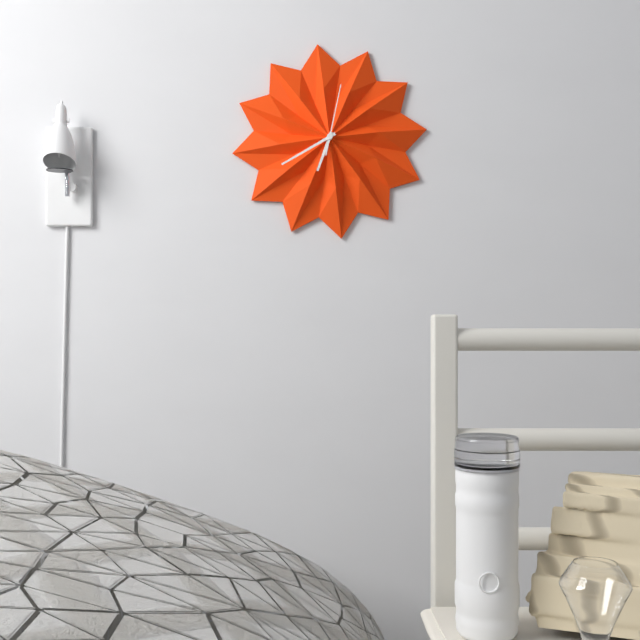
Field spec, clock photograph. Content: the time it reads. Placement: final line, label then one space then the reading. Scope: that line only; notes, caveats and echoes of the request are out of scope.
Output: 6:40:02
